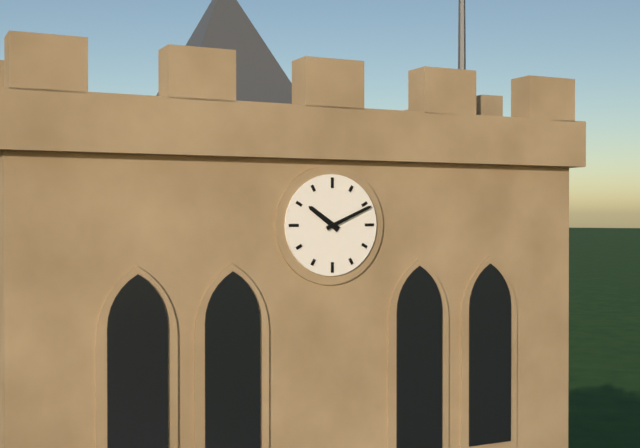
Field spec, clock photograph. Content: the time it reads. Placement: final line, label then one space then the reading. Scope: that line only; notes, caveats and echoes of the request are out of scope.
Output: 10:11
